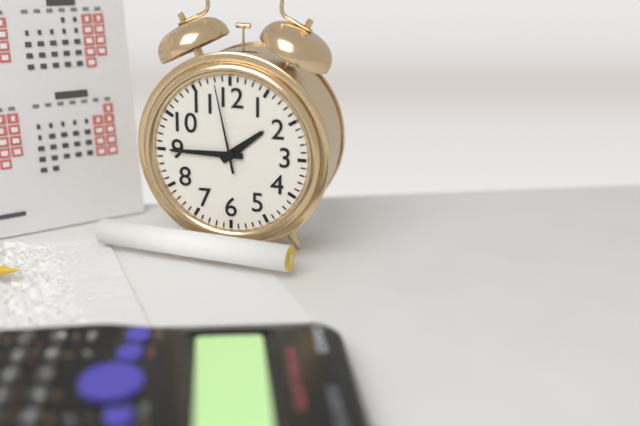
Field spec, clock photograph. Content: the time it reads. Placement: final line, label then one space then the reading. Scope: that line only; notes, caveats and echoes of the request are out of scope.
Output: 1:45:58
